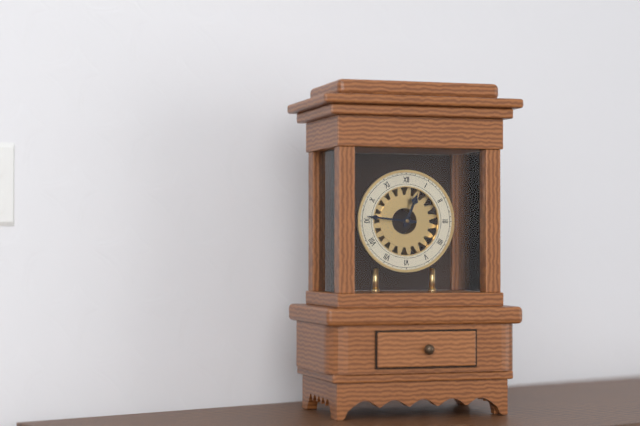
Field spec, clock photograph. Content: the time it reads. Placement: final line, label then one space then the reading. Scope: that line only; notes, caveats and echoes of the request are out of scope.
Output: 12:46
